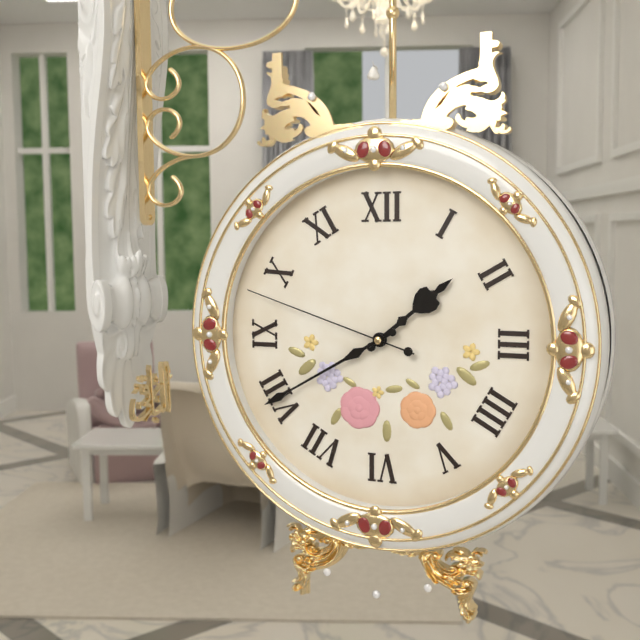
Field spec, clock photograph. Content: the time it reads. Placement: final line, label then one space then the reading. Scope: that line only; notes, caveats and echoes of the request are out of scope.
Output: 1:40:48
